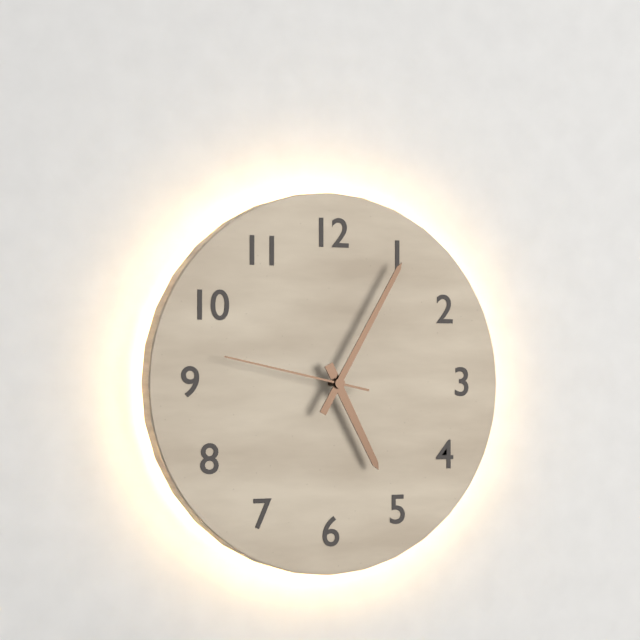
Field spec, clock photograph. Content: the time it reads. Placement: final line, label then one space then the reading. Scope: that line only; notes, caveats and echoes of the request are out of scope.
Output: 5:05:47
